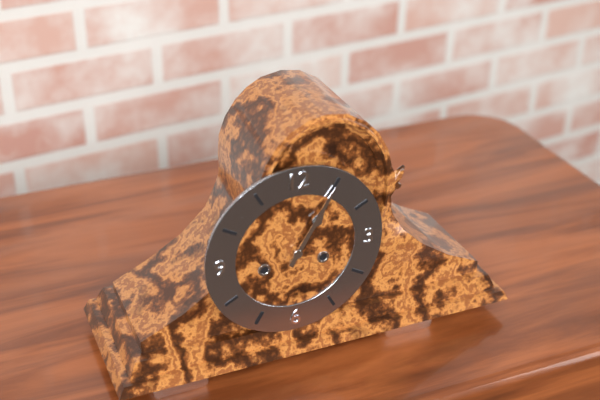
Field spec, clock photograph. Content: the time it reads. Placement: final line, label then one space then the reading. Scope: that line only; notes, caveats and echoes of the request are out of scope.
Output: 1:05
